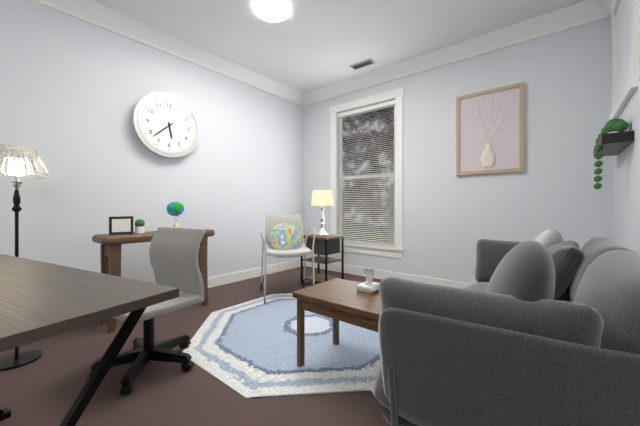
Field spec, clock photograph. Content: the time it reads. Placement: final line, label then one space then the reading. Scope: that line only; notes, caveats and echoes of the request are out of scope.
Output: 5:38
